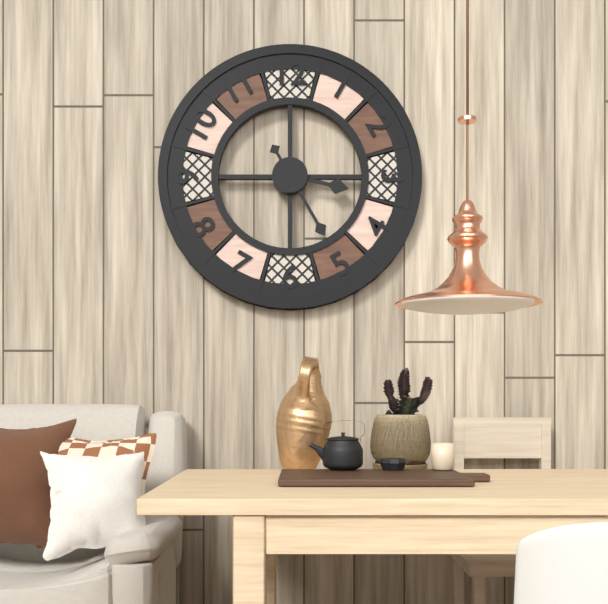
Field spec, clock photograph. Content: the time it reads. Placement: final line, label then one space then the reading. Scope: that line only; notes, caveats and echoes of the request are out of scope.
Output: 3:25
